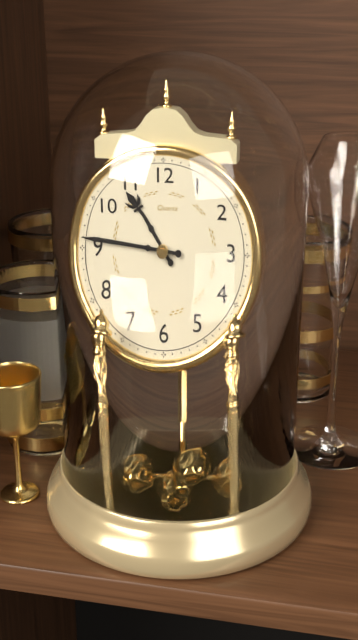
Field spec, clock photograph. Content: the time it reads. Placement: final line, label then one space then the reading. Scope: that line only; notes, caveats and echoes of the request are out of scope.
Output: 10:46
